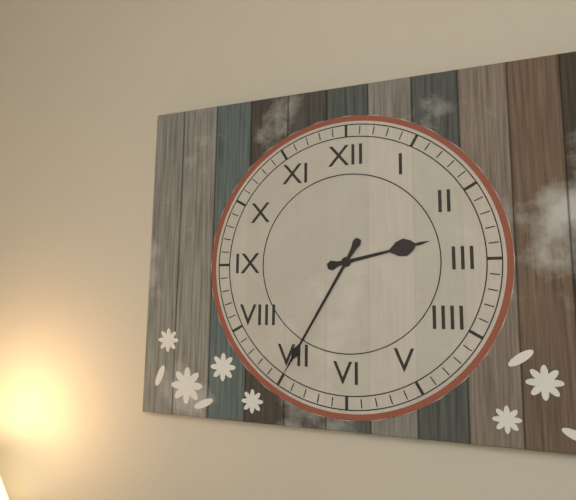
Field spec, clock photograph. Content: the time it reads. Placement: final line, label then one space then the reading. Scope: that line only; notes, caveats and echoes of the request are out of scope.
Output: 2:35
